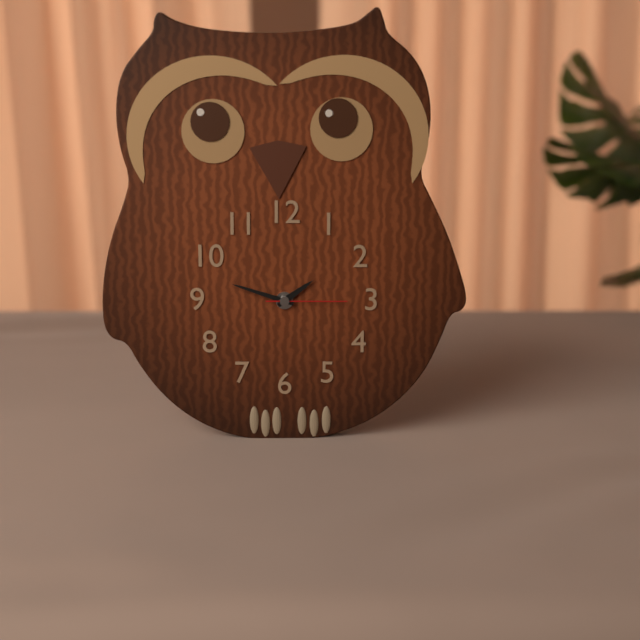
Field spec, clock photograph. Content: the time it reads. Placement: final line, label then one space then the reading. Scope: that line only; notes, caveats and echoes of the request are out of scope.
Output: 1:48:15
